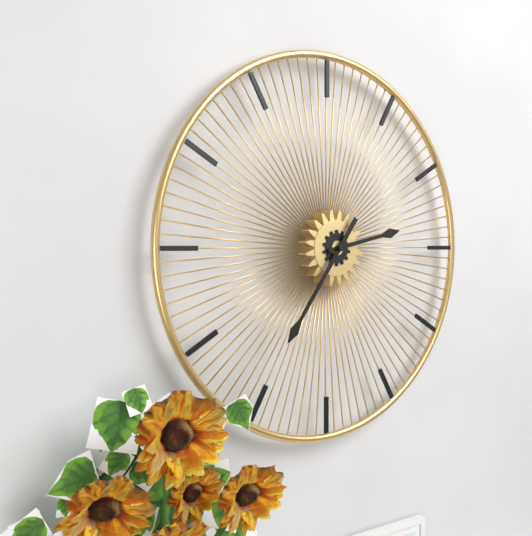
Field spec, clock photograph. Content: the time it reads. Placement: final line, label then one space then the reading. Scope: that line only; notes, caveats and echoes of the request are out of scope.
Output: 2:36
